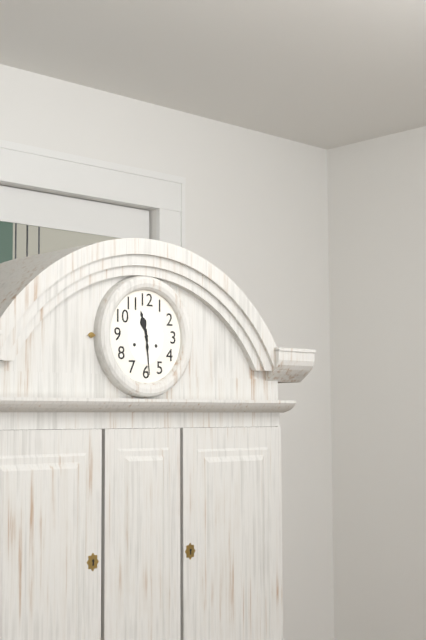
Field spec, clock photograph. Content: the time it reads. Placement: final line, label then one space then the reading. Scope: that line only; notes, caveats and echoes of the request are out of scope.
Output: 11:29
